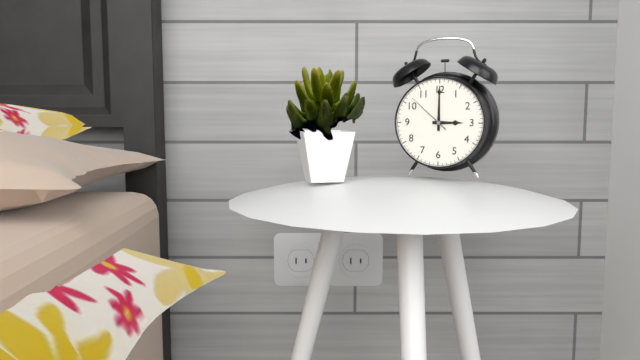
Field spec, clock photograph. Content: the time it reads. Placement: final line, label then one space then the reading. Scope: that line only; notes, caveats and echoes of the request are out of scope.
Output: 3:00
